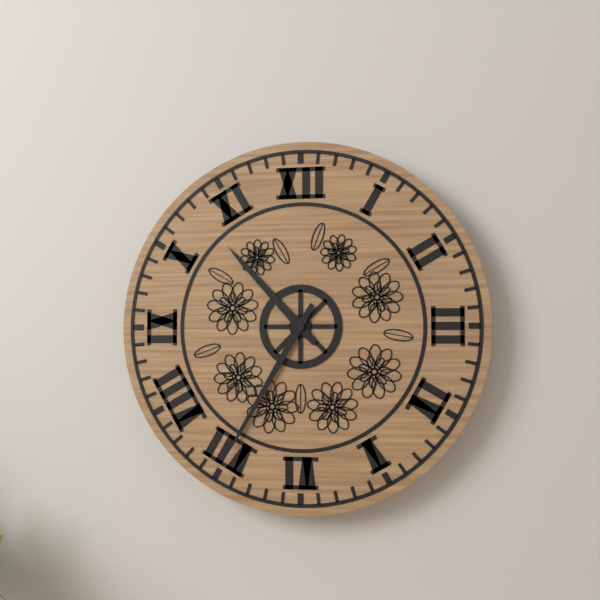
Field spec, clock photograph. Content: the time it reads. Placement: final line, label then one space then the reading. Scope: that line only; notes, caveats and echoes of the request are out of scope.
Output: 10:35
